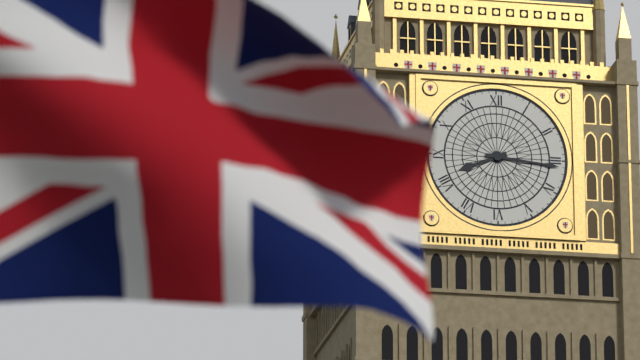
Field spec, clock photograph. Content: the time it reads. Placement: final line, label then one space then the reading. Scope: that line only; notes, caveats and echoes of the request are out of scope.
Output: 8:16
